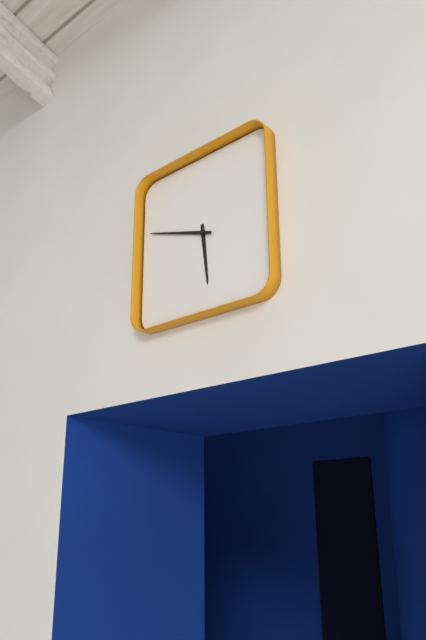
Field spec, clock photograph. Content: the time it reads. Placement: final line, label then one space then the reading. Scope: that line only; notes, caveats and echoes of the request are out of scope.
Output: 5:48
